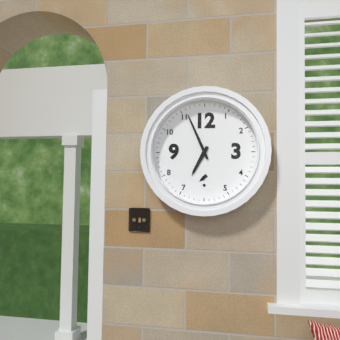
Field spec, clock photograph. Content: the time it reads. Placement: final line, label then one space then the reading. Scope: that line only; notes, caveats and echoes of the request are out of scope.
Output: 6:56
